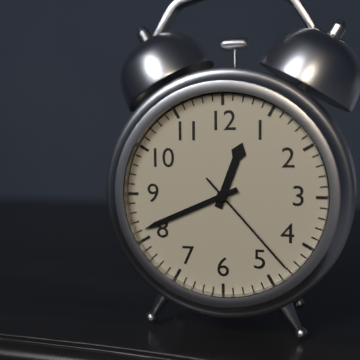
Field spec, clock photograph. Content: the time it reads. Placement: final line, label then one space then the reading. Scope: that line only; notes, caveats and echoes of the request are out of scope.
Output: 12:41:23
